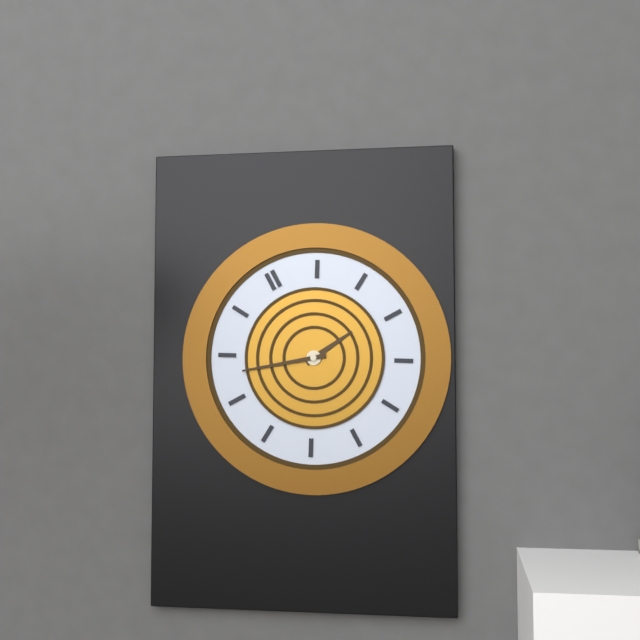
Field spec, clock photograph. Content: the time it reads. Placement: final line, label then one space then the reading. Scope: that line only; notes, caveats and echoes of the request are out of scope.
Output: 2:48
